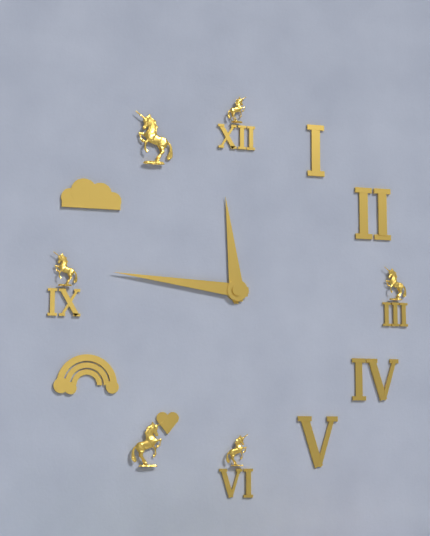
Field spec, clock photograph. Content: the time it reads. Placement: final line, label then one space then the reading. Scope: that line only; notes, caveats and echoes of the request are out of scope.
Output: 11:46
